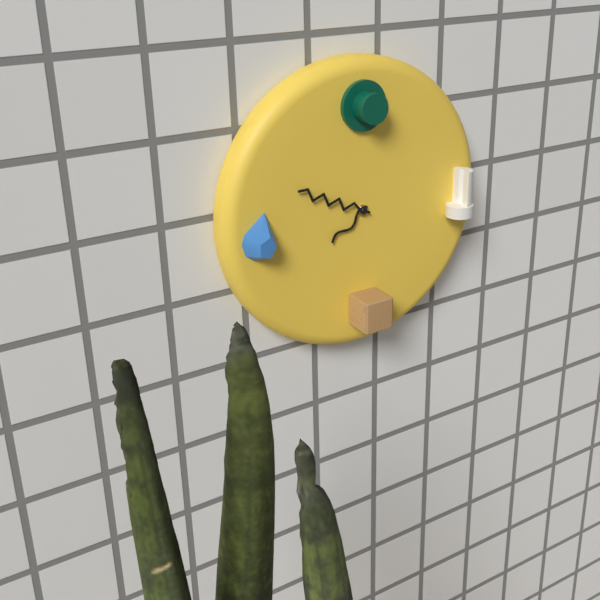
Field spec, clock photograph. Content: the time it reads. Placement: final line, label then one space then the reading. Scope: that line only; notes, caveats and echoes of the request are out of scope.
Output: 7:49
